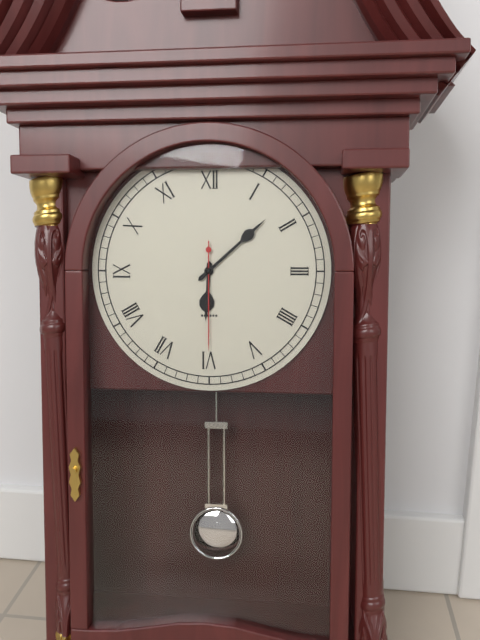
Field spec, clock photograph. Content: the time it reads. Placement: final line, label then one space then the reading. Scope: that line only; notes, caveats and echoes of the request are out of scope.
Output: 6:08:30
